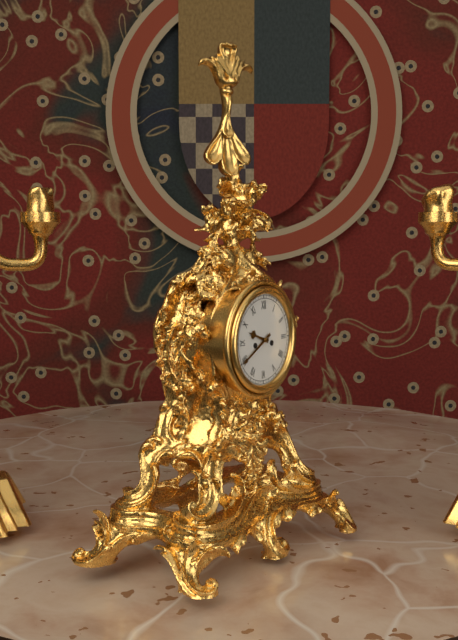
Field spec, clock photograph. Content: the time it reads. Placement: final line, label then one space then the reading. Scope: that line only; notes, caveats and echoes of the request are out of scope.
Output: 9:40
